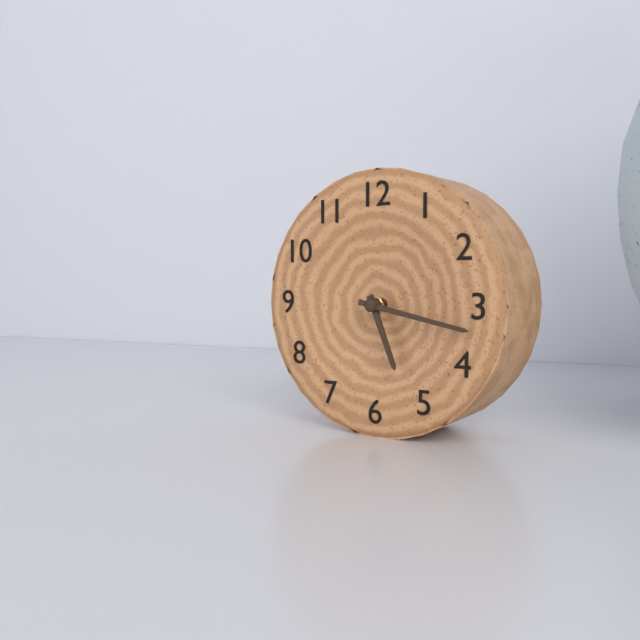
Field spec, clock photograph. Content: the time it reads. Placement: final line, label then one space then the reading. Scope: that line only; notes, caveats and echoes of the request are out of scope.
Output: 5:17
